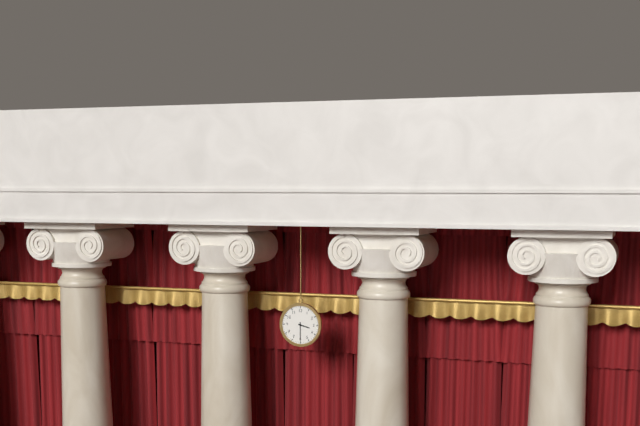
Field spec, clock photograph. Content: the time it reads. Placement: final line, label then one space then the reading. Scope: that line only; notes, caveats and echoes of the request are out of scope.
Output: 3:30
